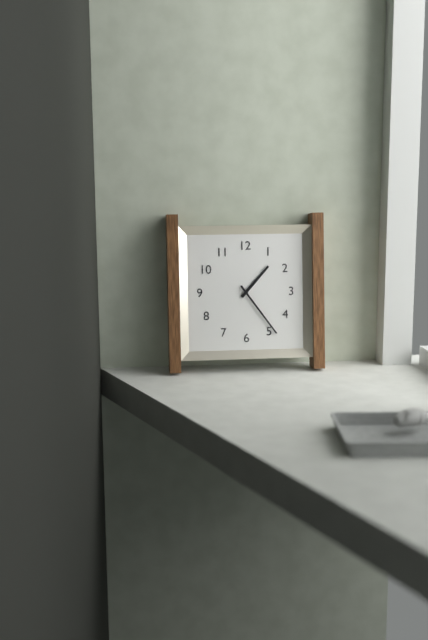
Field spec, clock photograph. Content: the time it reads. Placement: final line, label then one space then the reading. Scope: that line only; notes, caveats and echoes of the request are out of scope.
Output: 1:24
